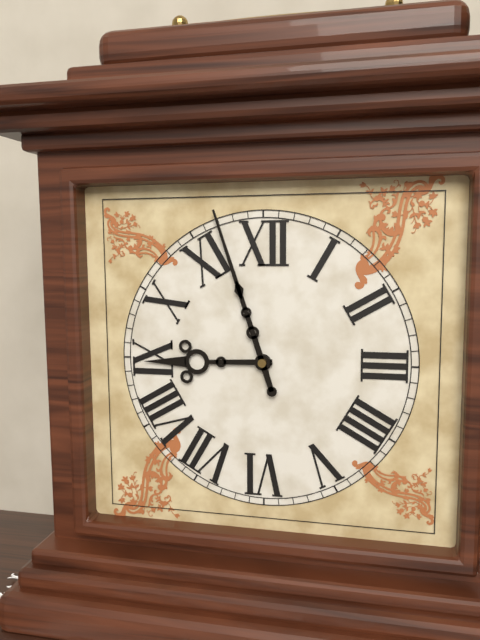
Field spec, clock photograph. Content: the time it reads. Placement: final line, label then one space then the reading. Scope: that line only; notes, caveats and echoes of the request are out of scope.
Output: 8:57
